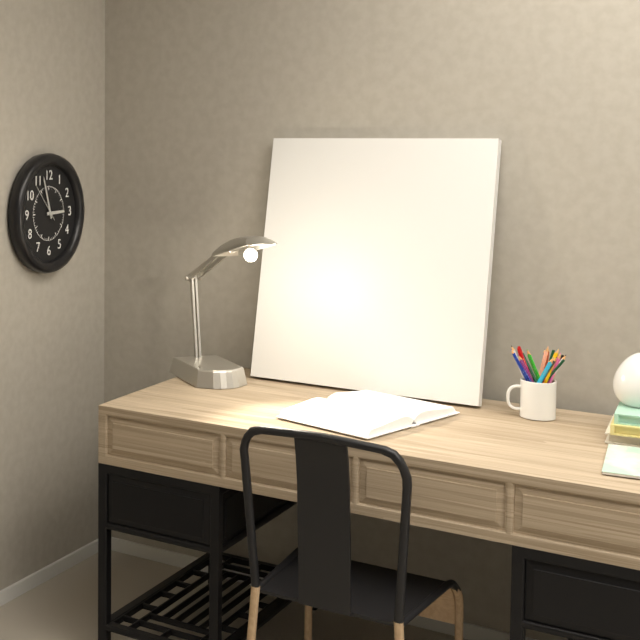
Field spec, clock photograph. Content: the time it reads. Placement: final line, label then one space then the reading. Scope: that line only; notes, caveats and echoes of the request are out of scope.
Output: 2:57
